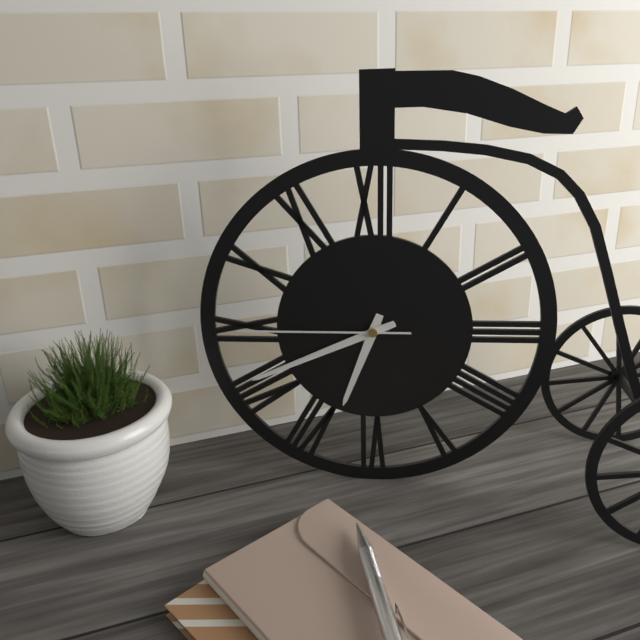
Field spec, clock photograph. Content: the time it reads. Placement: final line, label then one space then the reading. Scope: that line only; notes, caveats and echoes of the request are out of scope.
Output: 6:41:45
